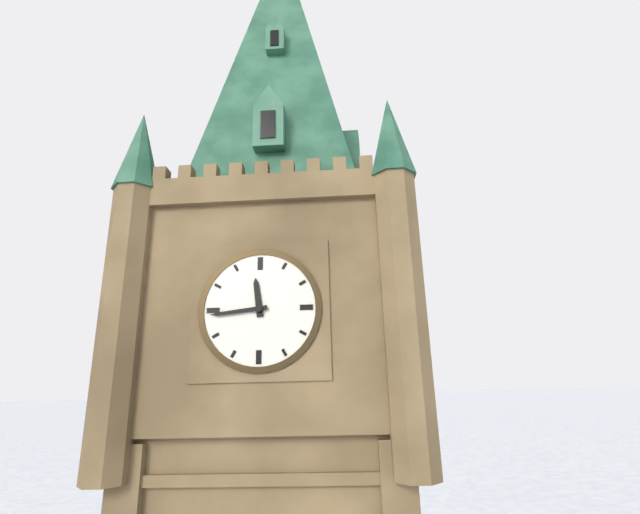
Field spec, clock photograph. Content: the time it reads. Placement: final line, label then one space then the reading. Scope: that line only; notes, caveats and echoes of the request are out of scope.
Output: 11:44
